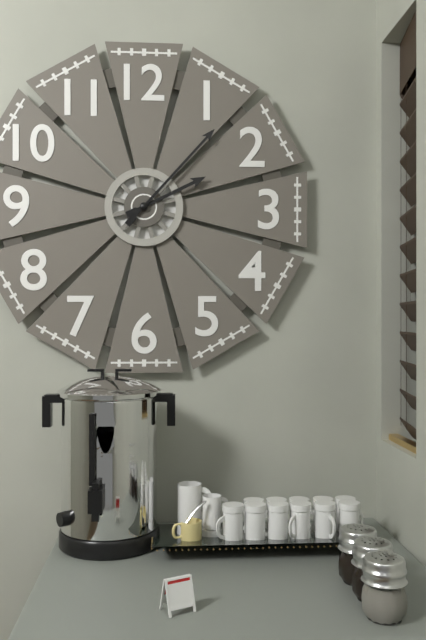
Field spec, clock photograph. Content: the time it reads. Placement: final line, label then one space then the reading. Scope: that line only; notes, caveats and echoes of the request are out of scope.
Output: 2:07
